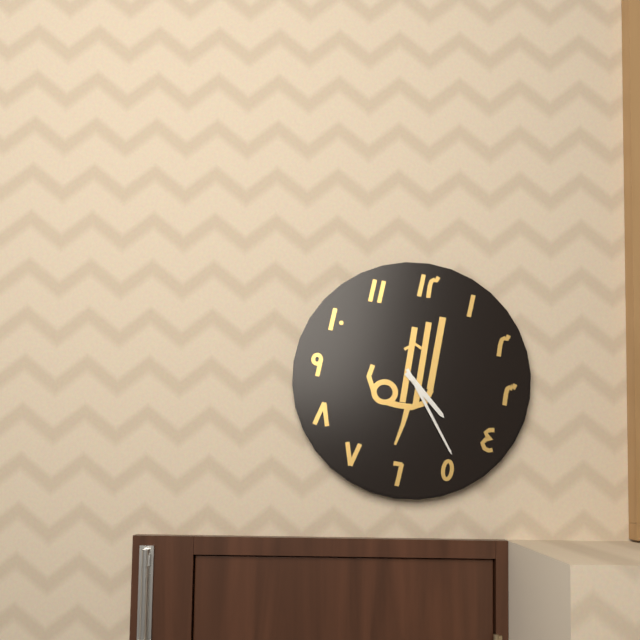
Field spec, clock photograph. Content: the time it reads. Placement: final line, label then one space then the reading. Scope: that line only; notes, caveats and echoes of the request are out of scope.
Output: 4:24
